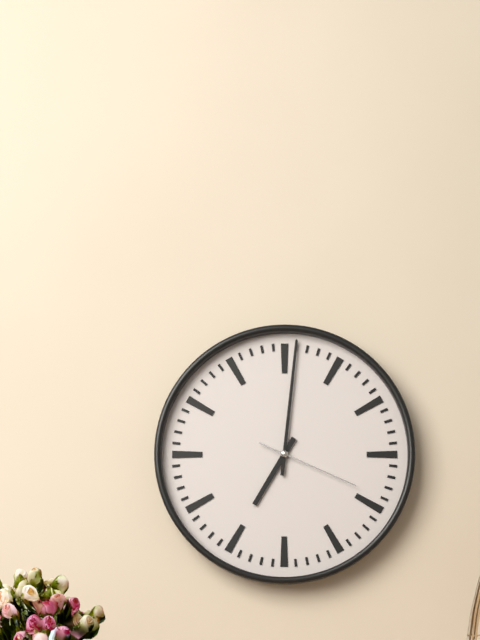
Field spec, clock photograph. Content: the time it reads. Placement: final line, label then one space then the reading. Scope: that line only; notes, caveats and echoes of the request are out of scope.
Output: 7:01:19
